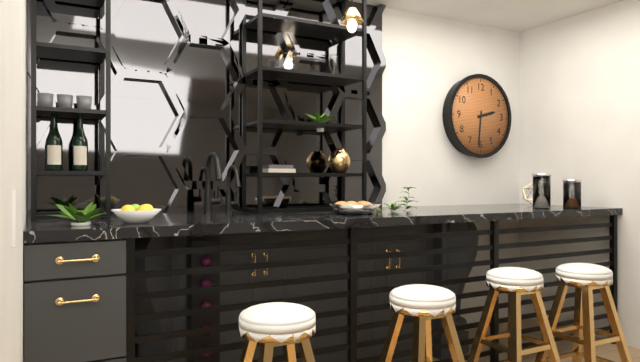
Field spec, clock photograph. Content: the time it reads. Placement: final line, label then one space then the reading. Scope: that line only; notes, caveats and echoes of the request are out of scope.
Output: 2:31
